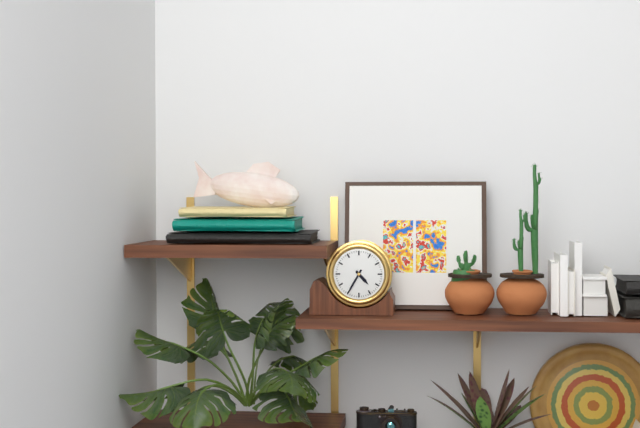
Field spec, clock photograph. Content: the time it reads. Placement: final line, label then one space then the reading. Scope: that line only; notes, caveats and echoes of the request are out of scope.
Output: 4:35
